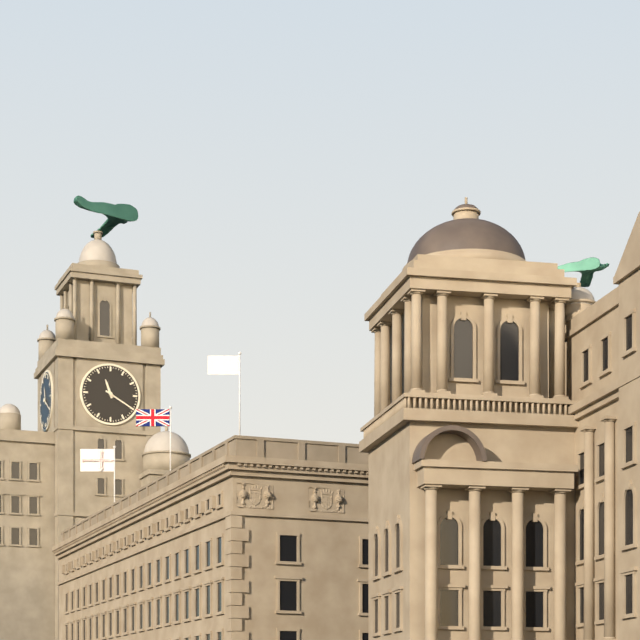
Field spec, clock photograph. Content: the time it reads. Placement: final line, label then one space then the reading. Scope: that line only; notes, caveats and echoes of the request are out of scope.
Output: 11:20
